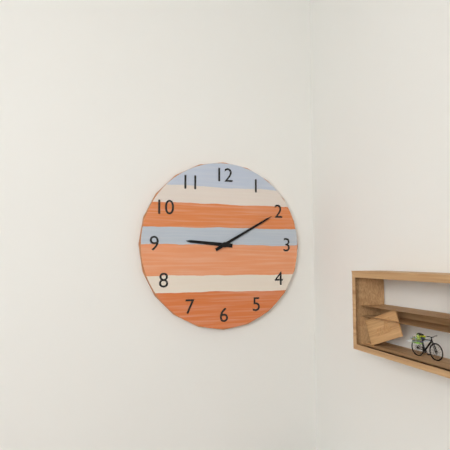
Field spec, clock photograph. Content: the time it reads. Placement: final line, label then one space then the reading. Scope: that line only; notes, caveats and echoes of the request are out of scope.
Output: 9:10
